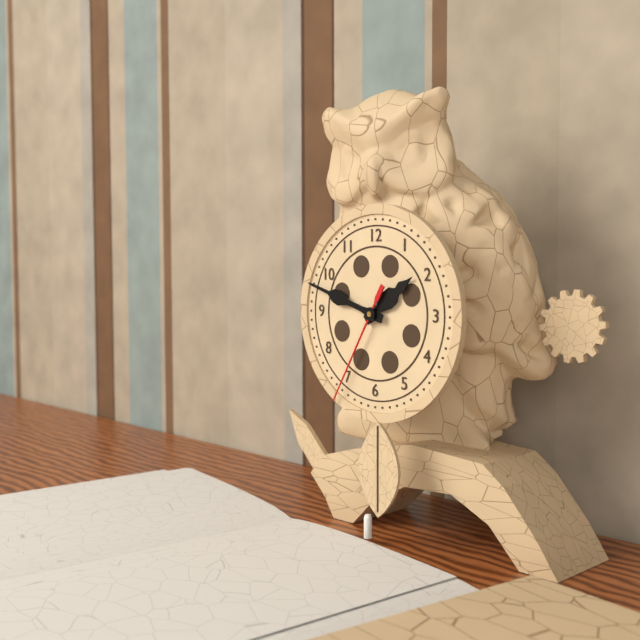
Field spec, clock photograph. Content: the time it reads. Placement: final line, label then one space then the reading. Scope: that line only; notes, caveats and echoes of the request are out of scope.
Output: 1:48:35
